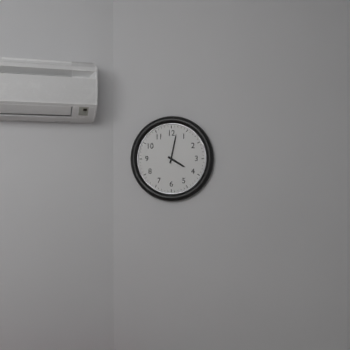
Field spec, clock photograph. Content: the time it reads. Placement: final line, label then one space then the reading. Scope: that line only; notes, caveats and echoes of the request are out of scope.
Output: 4:02
